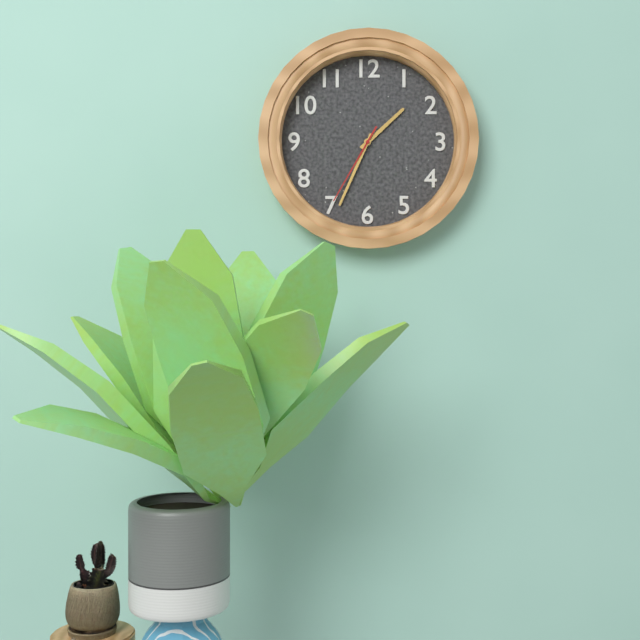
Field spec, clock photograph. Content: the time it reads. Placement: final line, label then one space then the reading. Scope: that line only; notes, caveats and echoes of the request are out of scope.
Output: 1:34:35
